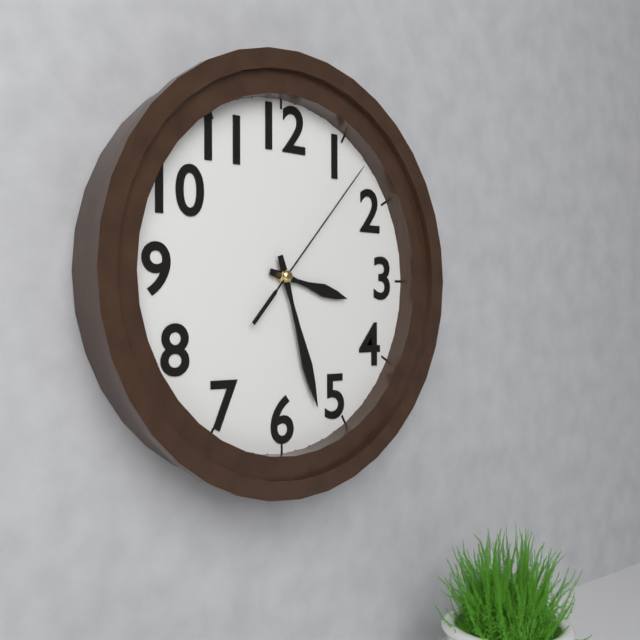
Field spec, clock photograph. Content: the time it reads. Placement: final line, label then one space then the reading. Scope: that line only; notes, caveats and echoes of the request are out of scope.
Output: 3:27:07
